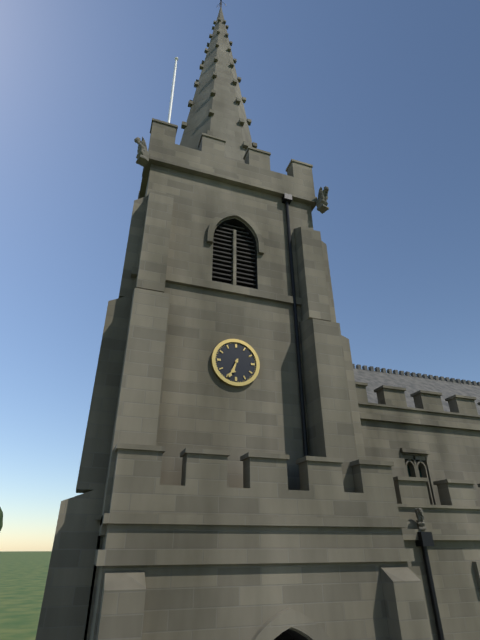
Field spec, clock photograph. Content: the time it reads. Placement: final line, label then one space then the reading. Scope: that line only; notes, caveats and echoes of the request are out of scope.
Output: 6:34
